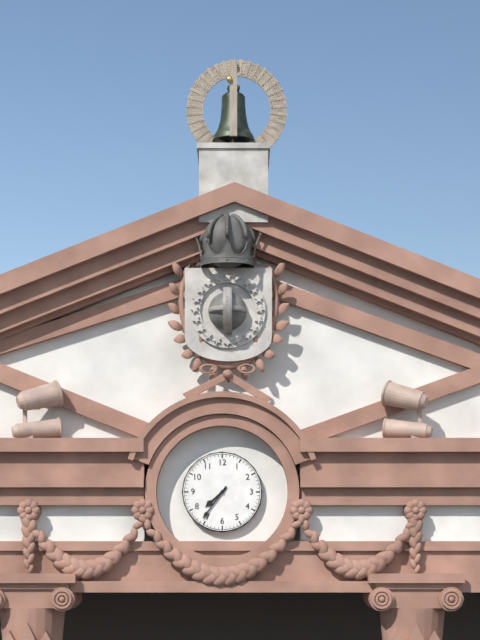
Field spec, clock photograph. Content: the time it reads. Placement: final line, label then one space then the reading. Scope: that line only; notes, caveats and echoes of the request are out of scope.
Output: 7:36
